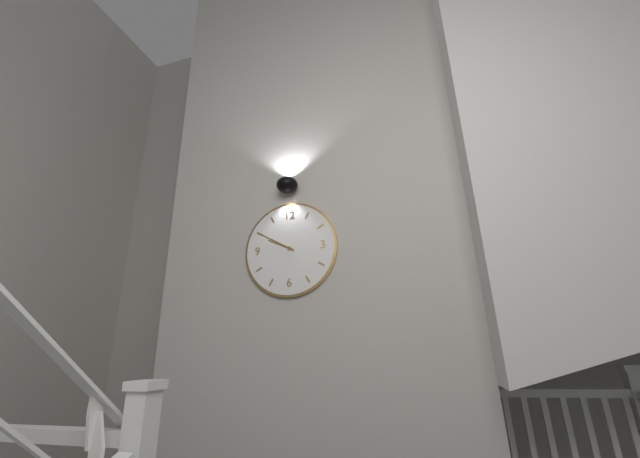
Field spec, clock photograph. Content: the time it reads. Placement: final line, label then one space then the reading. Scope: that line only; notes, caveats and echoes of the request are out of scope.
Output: 9:50
